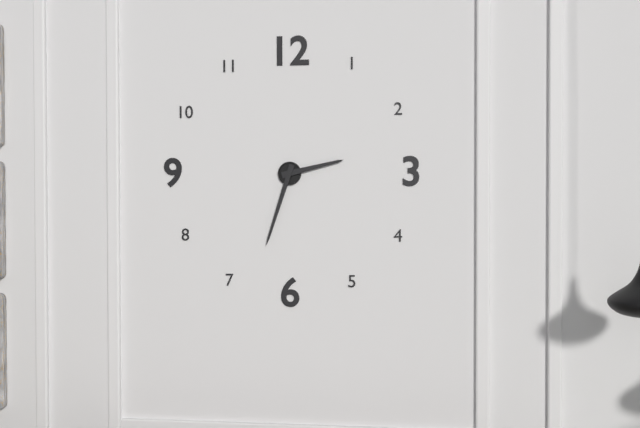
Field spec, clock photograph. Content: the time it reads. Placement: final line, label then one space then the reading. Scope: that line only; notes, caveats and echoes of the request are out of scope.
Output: 2:33
